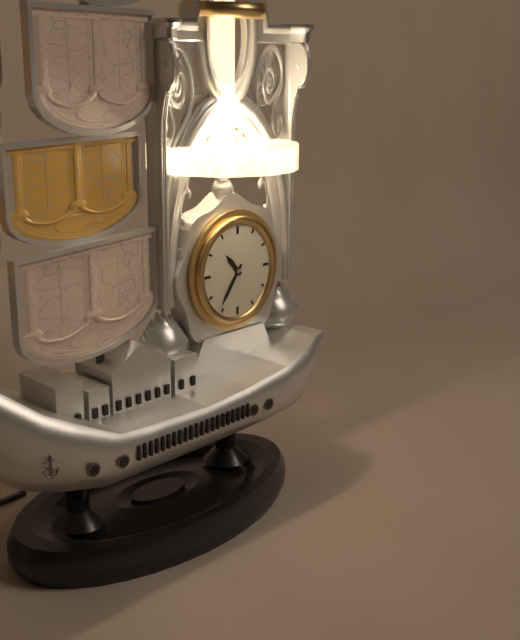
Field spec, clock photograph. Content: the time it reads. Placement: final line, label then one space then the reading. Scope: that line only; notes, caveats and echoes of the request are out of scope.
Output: 10:36
